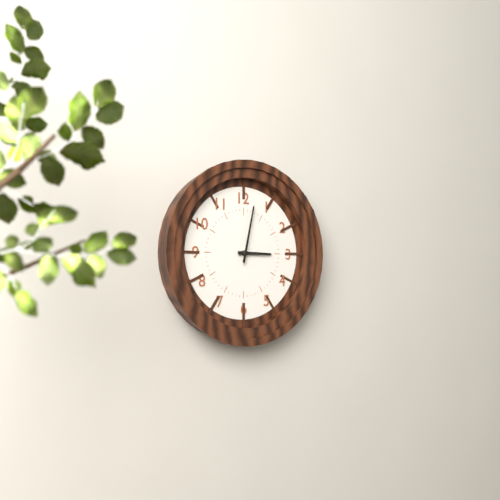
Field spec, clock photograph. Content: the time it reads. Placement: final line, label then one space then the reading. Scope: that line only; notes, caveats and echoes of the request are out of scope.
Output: 3:02
